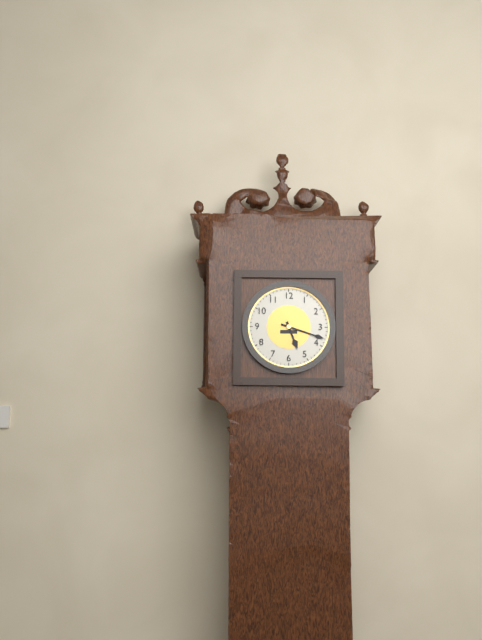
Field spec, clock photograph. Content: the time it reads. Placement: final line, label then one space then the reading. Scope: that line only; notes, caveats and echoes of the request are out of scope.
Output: 5:18
